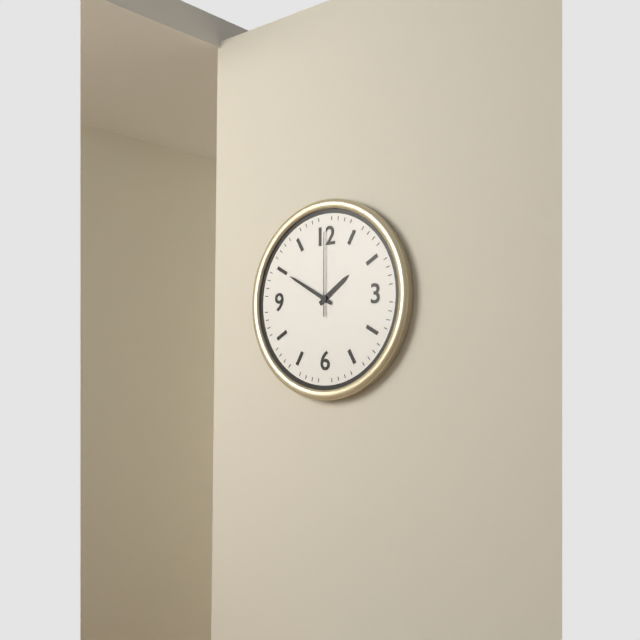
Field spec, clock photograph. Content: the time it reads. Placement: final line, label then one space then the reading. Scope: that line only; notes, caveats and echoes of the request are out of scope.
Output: 1:50:00
